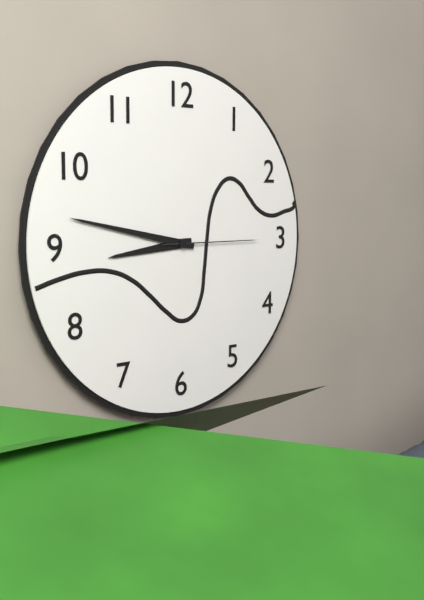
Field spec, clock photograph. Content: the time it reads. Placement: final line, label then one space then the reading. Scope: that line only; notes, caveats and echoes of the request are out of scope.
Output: 8:47:15
